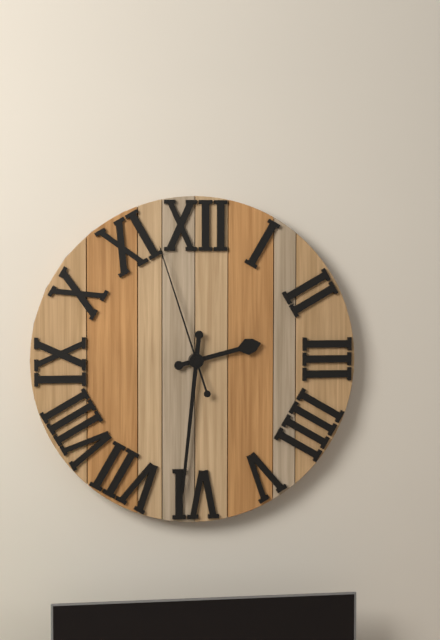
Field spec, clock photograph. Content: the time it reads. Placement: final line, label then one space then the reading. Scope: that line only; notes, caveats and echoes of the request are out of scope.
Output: 2:31:57
